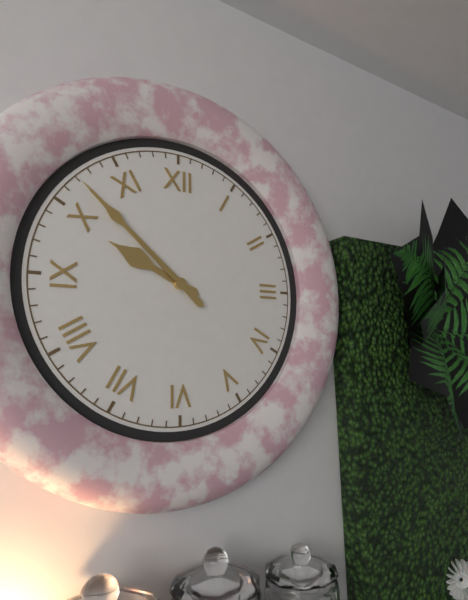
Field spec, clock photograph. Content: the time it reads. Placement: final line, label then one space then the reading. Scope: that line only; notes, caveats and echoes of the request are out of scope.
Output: 9:52
